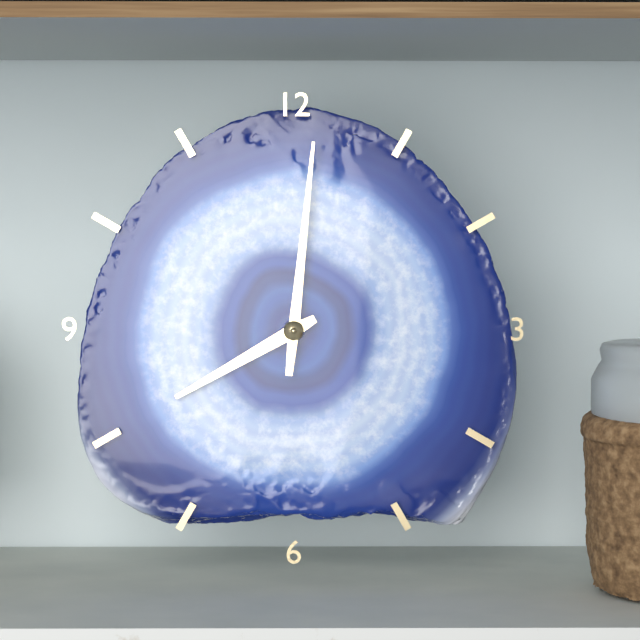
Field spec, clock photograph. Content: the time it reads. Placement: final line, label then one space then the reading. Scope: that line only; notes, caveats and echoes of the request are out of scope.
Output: 8:01
